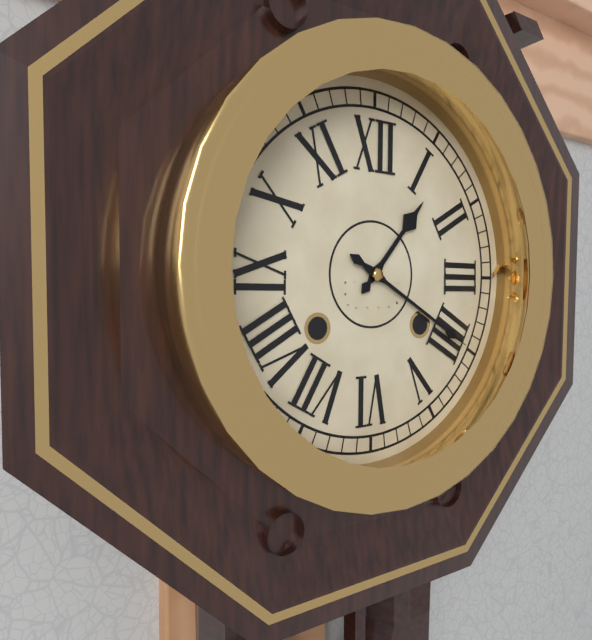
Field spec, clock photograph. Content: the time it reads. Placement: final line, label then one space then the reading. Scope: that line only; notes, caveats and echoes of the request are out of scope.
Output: 1:20
